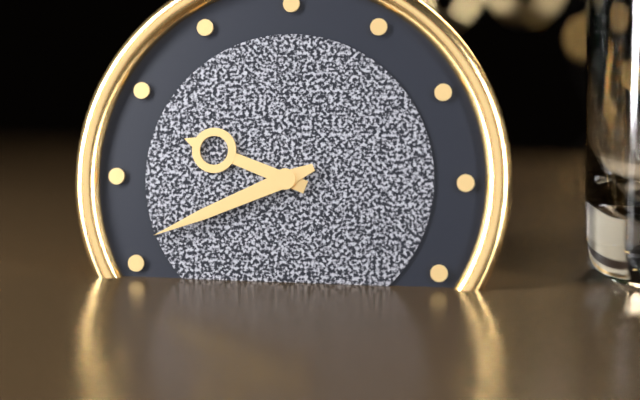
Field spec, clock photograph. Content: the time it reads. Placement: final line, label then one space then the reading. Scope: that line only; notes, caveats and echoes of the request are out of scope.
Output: 9:41
